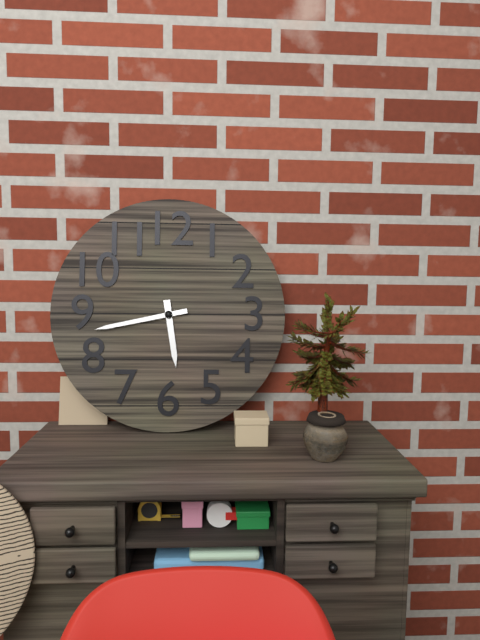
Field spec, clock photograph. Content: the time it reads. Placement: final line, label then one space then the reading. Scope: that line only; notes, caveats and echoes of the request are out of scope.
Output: 5:43
